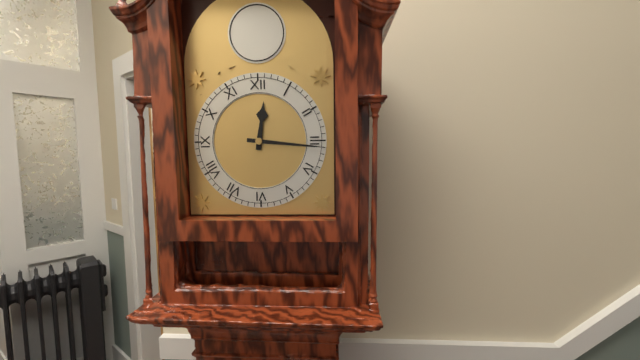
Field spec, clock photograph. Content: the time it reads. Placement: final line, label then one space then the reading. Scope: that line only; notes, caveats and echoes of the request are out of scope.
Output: 12:16
